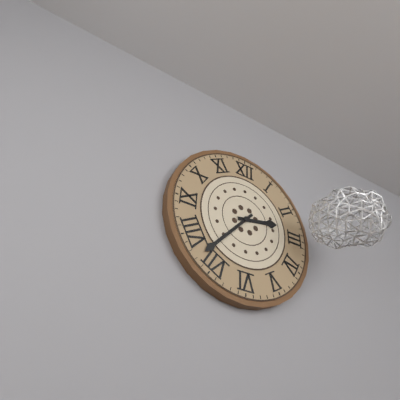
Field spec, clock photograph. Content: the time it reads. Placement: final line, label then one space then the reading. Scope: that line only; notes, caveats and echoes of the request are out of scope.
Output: 2:37
